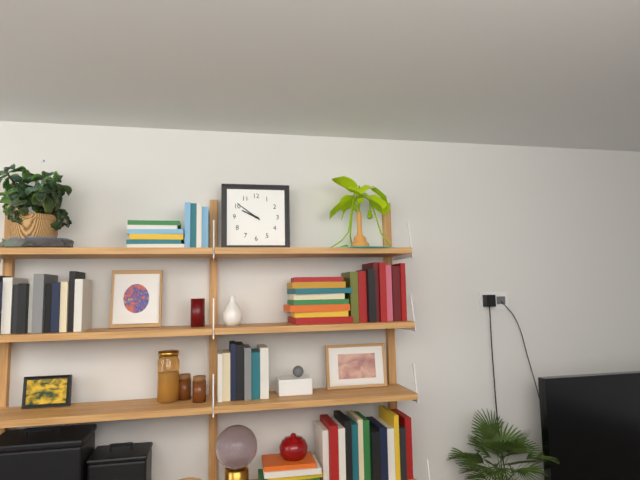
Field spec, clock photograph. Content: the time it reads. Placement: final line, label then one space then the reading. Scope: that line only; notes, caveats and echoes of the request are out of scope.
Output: 9:51
